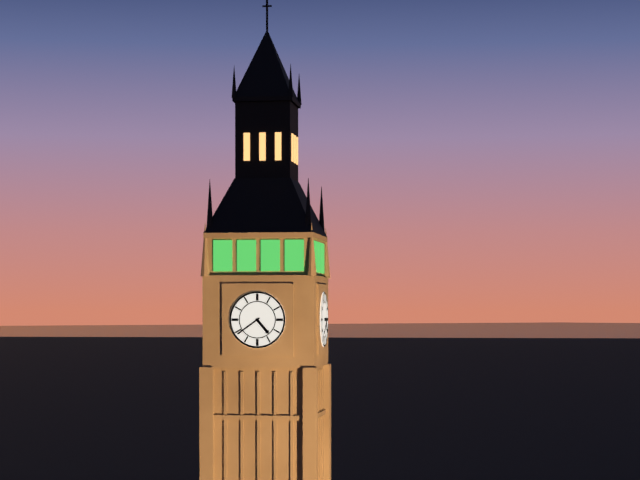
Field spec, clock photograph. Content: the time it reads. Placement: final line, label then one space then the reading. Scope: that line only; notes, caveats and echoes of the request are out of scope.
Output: 4:39
